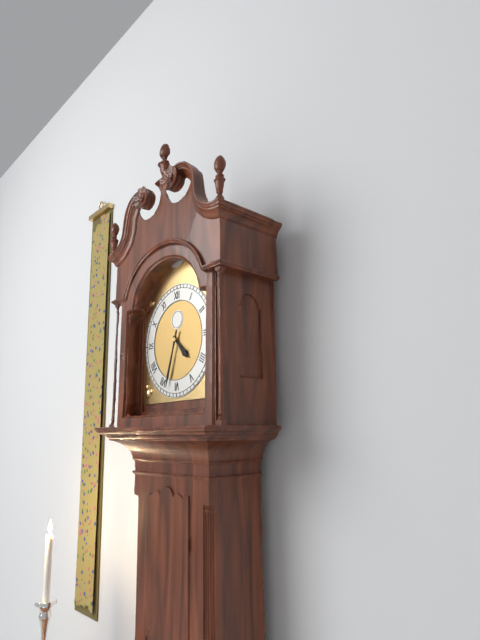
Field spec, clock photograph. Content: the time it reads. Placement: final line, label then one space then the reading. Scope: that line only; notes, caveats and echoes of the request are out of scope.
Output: 4:33
